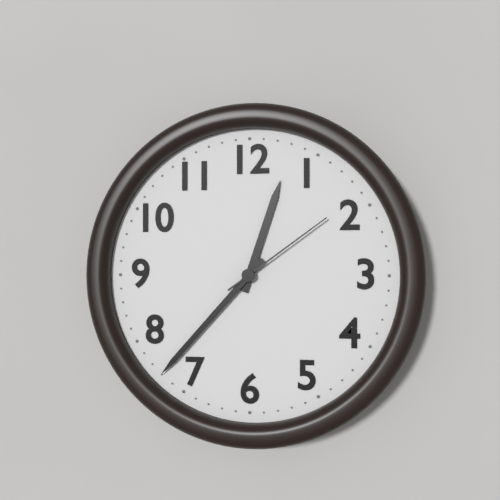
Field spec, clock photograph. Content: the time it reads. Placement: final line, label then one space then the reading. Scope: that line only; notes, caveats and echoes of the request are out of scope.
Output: 12:37:09
